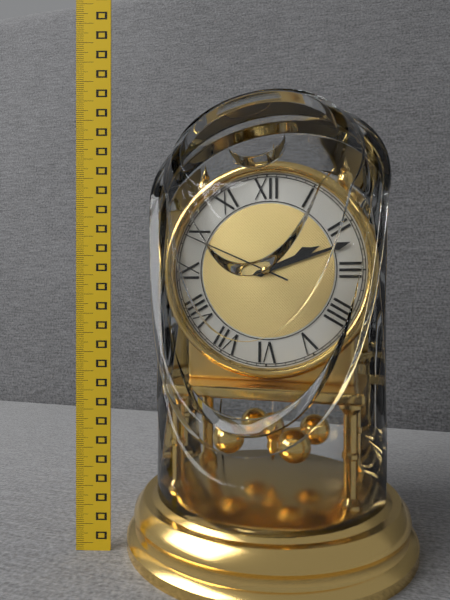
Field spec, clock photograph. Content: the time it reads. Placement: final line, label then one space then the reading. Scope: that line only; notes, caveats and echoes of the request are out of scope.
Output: 2:12:49
